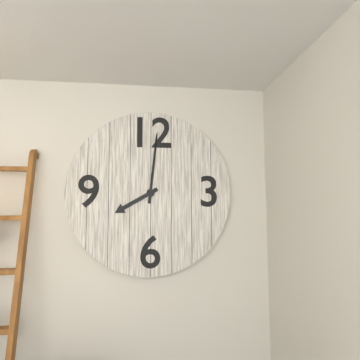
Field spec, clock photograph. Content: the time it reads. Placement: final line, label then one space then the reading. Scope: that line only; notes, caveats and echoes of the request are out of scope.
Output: 8:01
